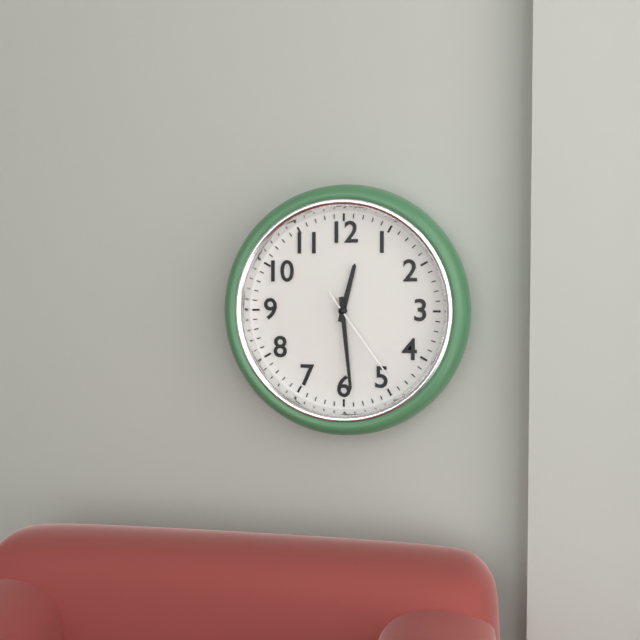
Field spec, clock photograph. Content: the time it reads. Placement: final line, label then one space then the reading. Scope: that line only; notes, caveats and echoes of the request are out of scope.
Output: 12:29:24
